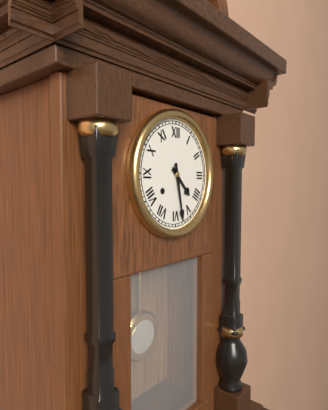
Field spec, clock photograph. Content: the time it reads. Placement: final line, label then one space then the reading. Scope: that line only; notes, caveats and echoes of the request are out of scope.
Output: 4:28
